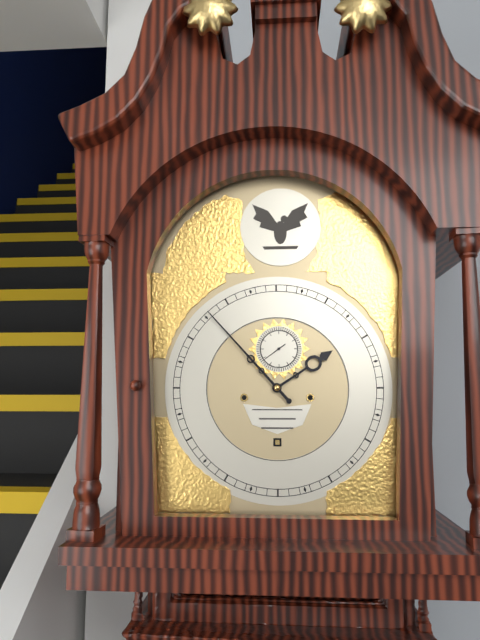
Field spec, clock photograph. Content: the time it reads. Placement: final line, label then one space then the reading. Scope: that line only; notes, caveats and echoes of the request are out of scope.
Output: 1:53
